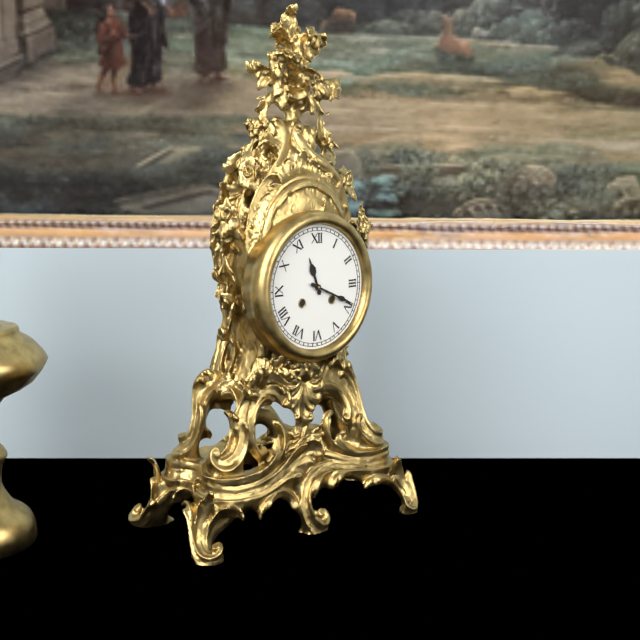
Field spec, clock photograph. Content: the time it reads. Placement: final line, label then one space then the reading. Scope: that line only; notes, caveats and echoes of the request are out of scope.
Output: 11:19
